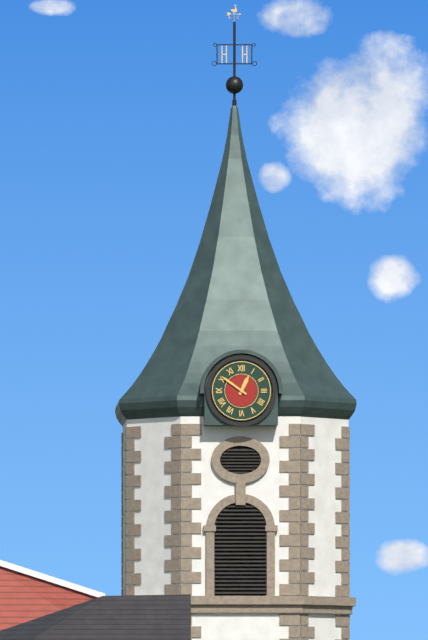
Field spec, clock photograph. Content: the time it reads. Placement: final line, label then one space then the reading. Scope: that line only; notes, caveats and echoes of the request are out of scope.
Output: 12:51
